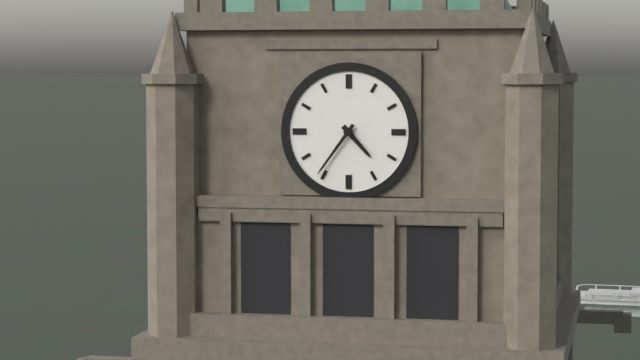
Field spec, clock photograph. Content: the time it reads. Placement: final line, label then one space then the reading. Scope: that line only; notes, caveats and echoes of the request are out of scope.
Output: 4:36
